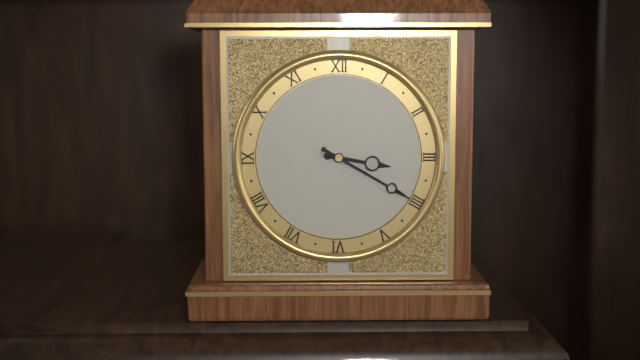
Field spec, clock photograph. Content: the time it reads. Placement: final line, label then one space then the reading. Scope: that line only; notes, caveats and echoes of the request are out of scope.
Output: 3:20
